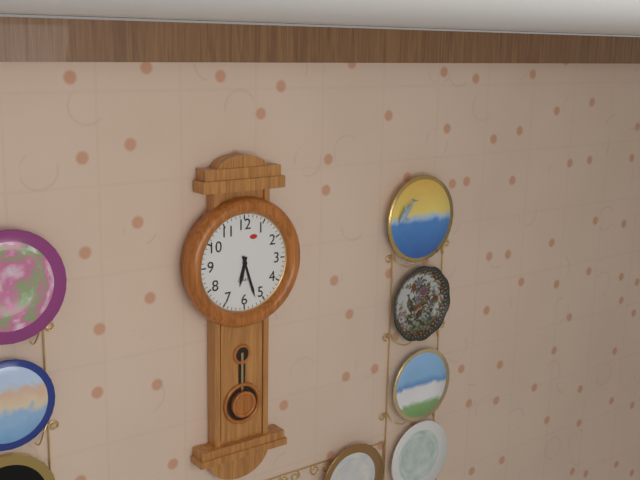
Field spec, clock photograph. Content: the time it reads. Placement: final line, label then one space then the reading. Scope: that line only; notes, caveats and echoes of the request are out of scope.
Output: 6:27
